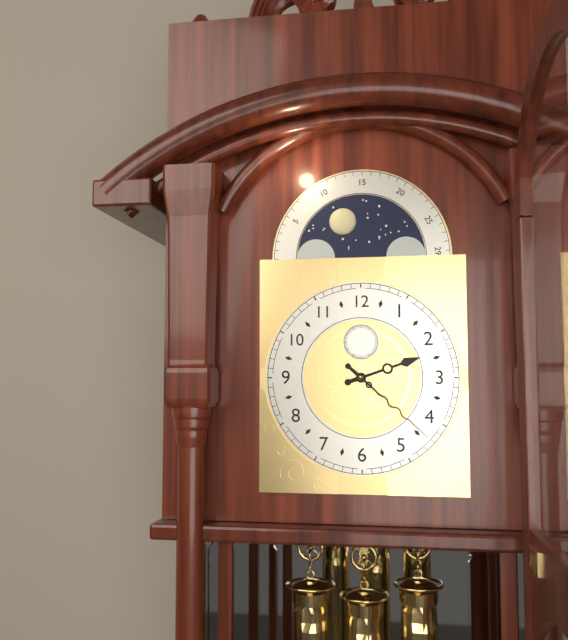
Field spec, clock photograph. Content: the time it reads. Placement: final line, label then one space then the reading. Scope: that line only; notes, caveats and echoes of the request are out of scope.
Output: 2:22
